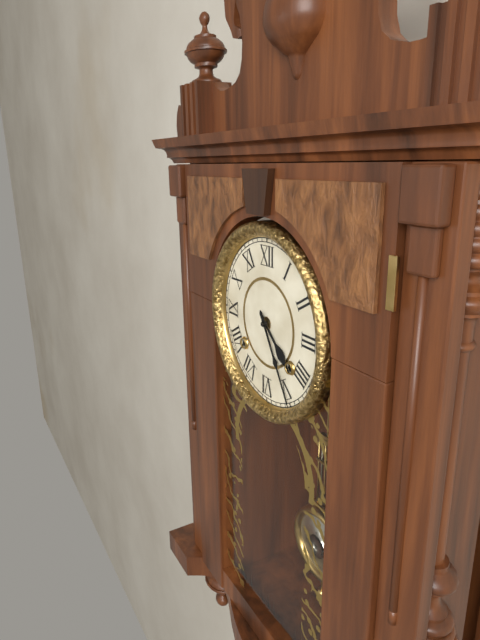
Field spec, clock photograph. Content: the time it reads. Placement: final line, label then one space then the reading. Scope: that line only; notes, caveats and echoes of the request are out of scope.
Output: 4:25
